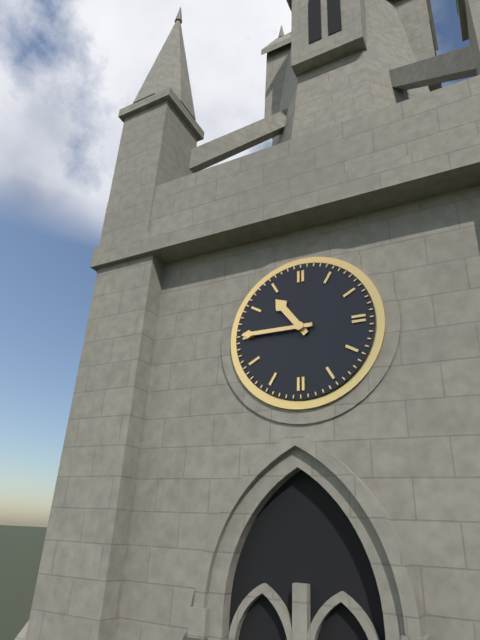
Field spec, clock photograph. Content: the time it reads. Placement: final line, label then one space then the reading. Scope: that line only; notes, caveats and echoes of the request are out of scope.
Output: 10:45
